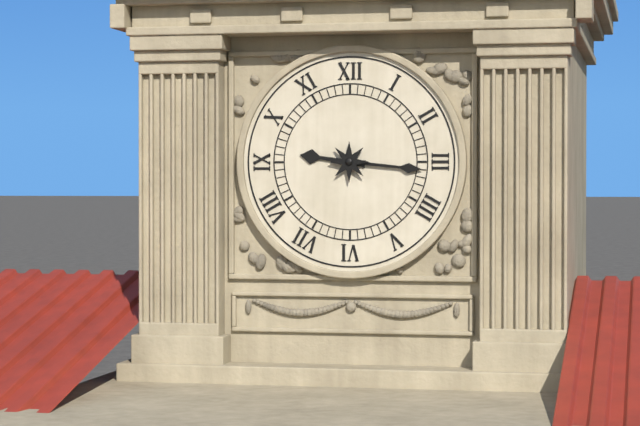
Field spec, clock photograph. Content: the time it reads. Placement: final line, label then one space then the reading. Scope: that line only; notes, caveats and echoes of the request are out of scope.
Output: 9:16
